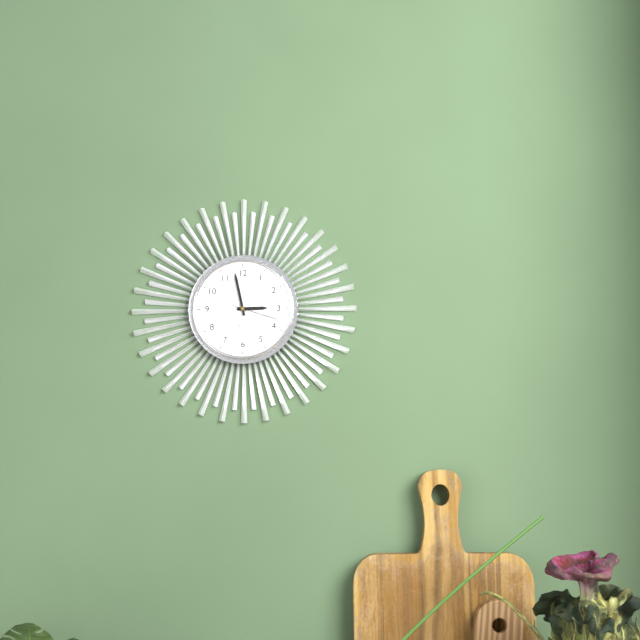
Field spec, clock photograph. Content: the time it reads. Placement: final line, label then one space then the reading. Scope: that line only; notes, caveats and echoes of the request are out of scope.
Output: 2:58:18
